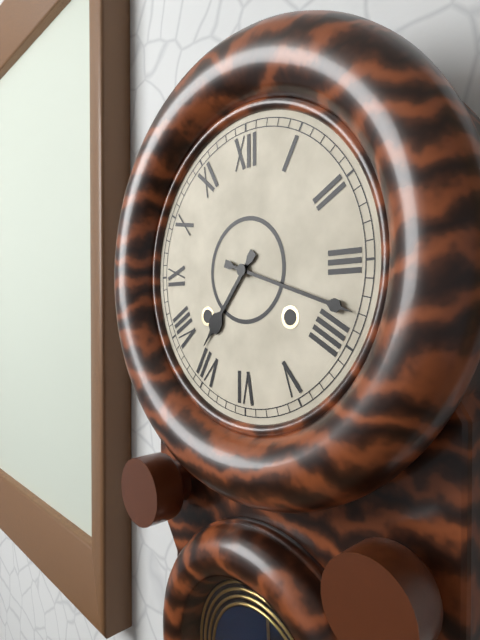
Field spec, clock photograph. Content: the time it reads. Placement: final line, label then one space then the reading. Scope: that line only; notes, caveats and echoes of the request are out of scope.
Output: 7:18
